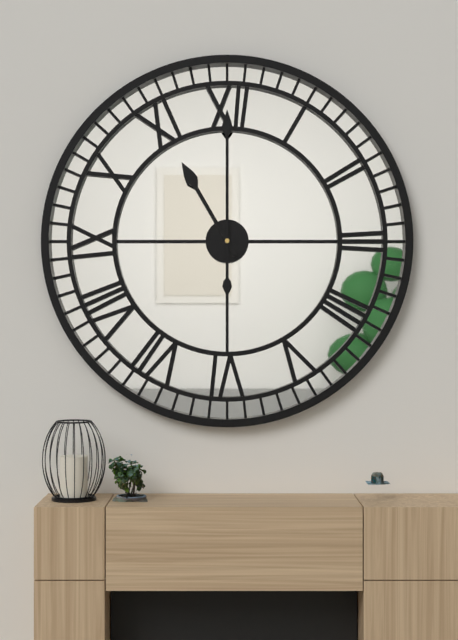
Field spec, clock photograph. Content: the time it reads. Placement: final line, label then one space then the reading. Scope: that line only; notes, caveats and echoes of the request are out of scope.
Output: 11:00
